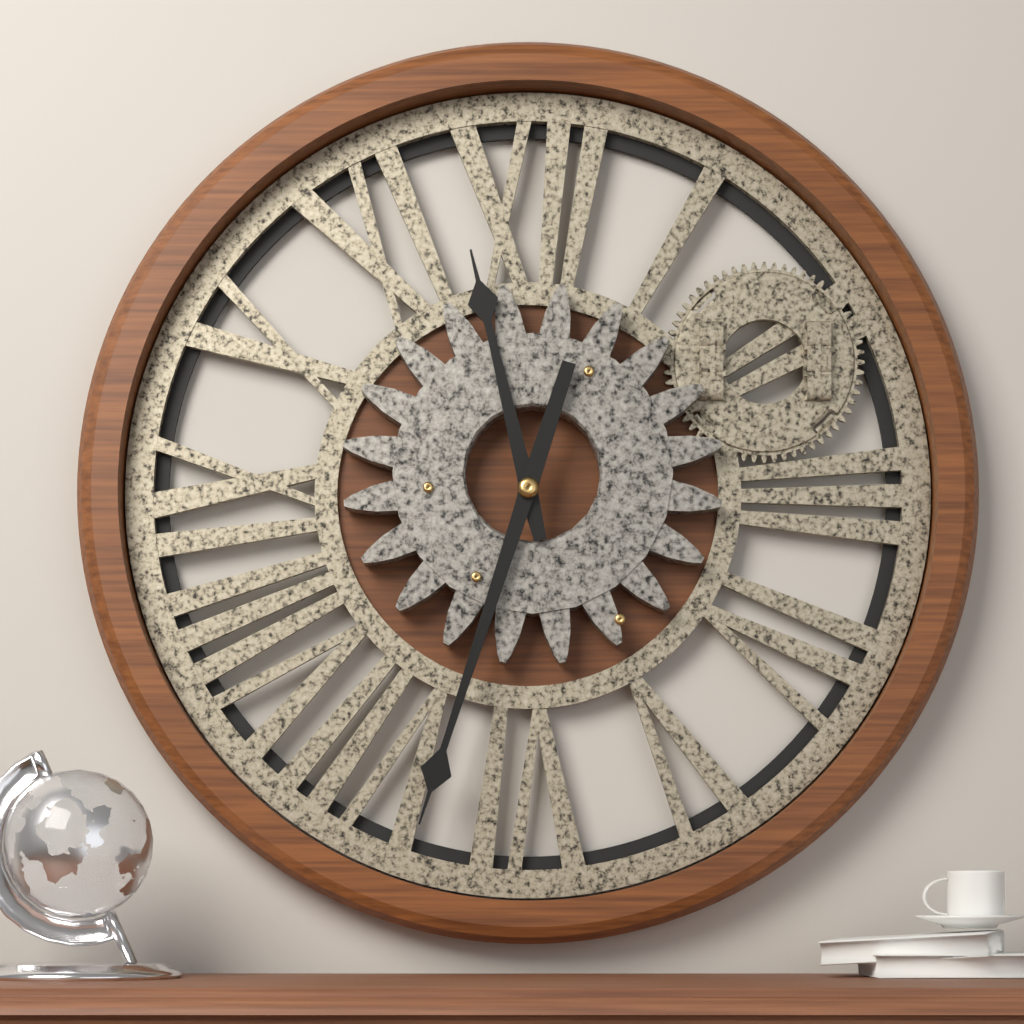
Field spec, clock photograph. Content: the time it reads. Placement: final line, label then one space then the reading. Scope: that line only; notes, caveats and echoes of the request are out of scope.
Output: 11:33
